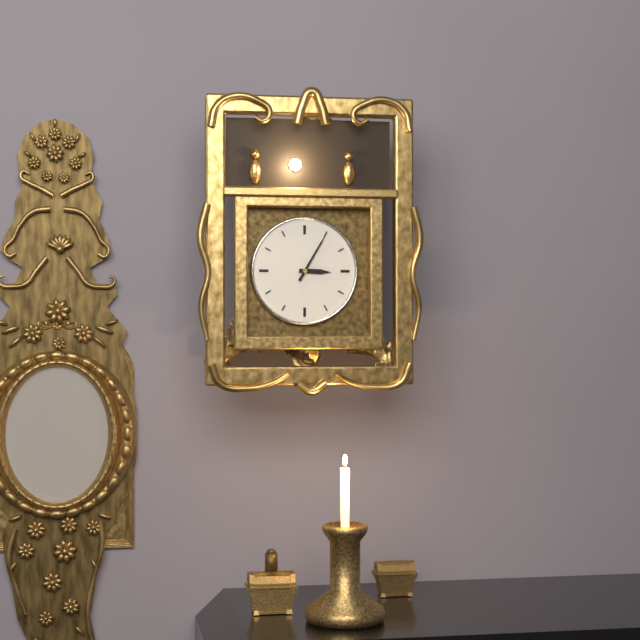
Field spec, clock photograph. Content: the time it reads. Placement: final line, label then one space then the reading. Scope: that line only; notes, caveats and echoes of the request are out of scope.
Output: 3:05
